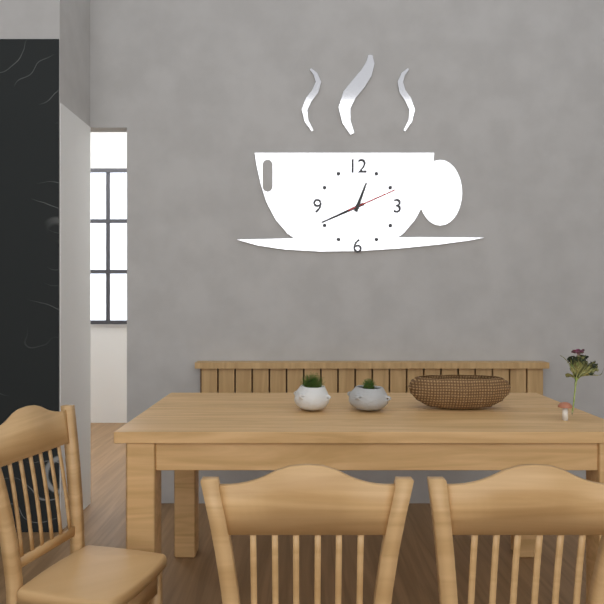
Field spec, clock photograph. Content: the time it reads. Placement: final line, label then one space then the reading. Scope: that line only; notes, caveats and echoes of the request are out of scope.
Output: 12:41:11
